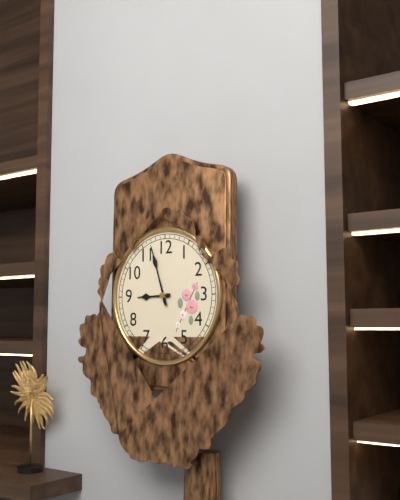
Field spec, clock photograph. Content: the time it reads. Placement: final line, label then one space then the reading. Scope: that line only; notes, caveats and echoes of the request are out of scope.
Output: 8:57
